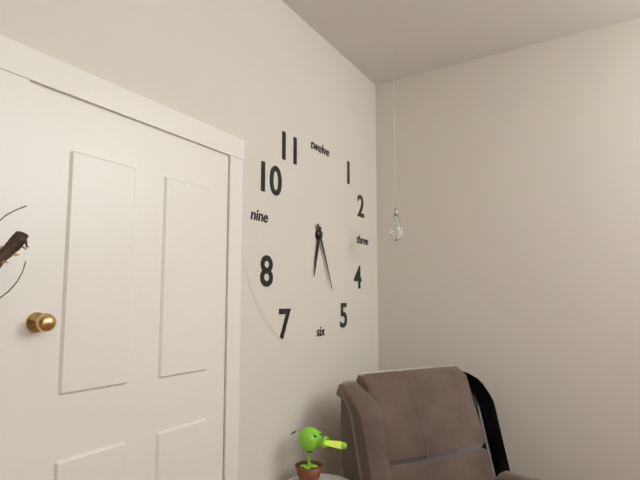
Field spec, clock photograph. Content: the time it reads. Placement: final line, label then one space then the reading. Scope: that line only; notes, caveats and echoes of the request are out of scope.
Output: 6:26
